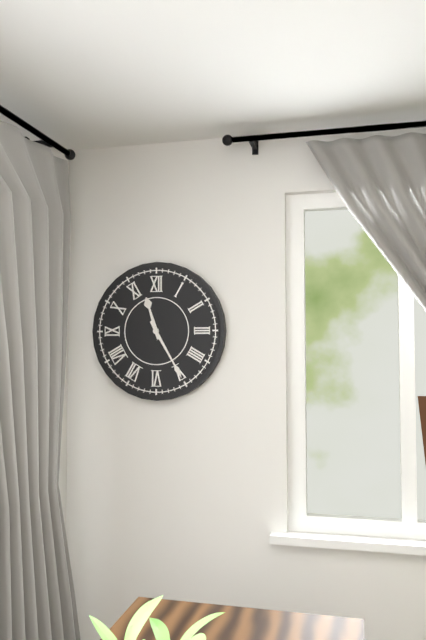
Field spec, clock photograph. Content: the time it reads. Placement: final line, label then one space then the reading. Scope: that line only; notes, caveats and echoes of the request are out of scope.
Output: 11:25
